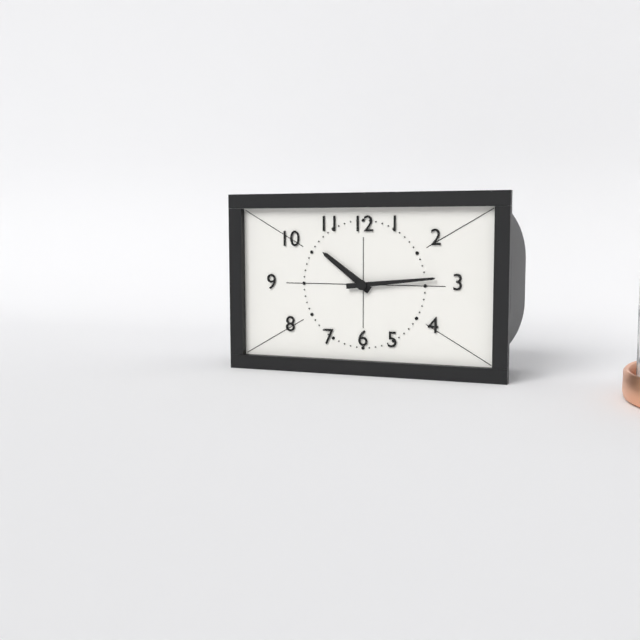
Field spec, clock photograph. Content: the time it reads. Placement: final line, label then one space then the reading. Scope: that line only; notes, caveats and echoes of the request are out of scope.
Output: 10:14
